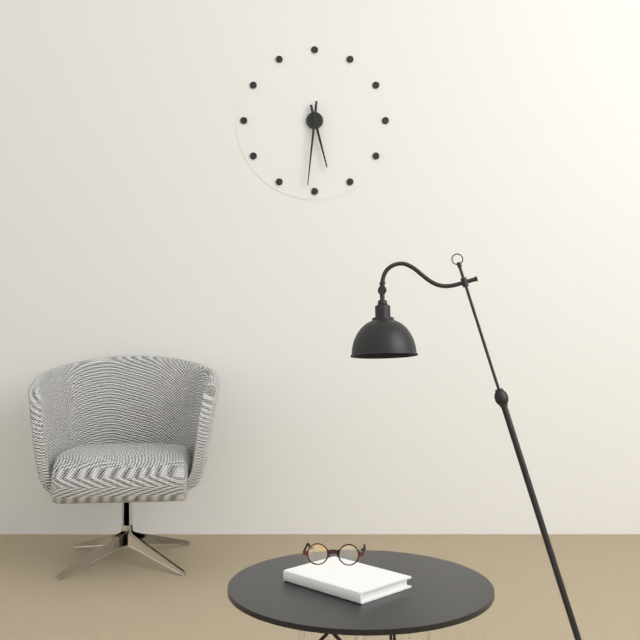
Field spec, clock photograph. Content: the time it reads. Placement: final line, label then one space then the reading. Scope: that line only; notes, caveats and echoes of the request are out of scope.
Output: 5:31
